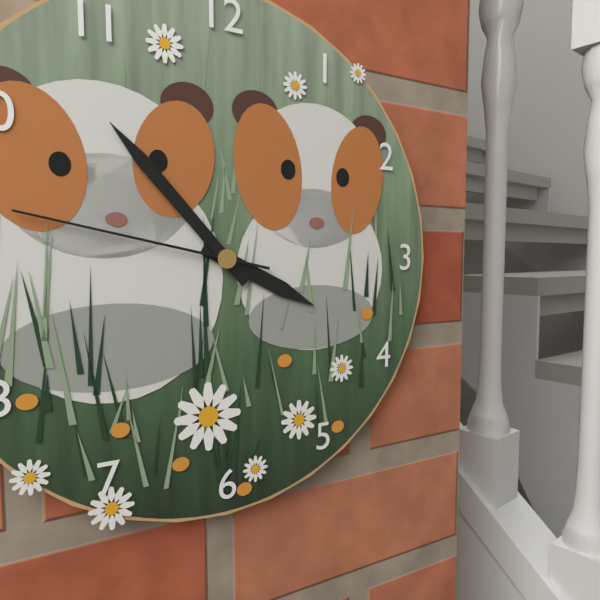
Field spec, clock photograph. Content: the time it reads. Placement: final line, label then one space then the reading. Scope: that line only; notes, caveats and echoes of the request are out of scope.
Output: 3:53:47
